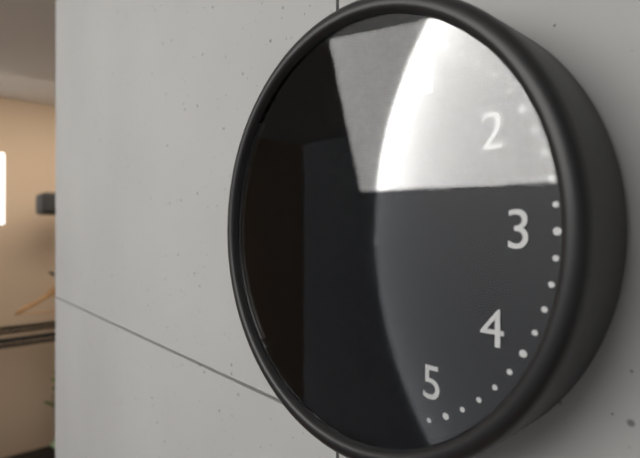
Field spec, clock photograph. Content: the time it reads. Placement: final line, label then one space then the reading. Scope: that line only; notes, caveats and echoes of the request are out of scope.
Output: 10:58
